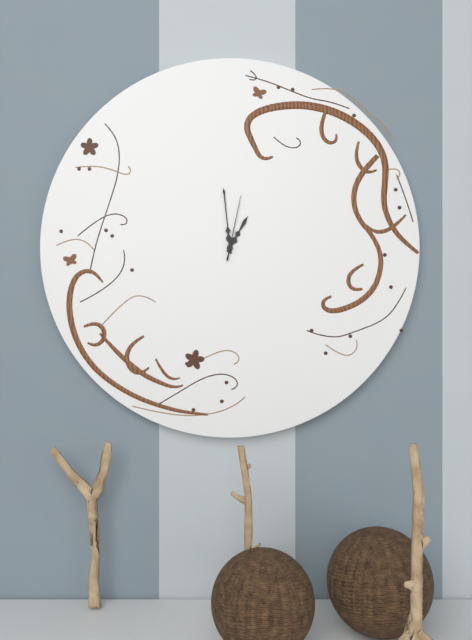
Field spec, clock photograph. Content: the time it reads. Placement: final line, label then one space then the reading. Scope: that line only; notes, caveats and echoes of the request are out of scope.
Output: 12:59:02
